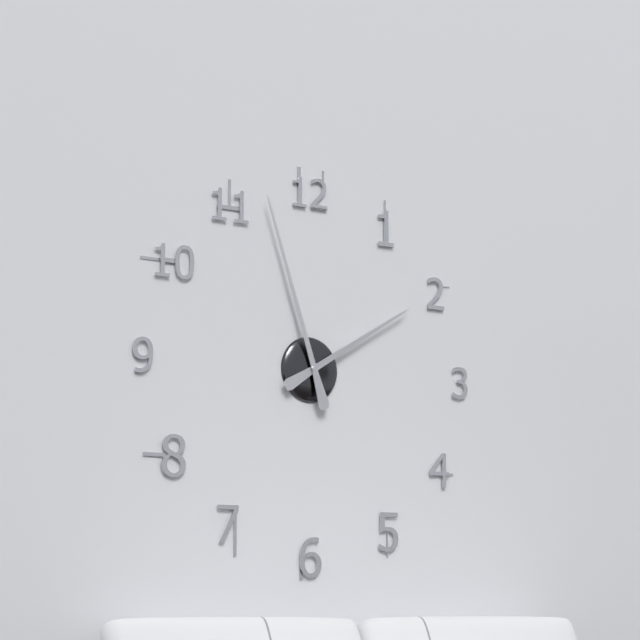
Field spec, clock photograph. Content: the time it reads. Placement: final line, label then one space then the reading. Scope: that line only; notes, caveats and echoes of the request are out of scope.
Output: 1:57
